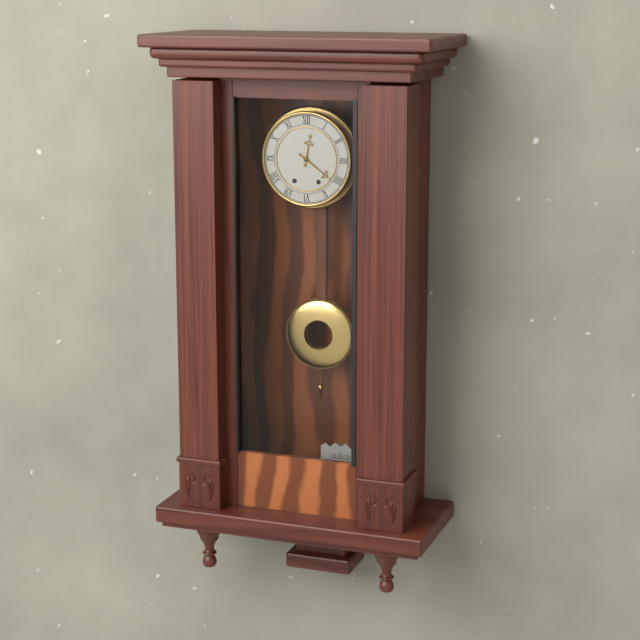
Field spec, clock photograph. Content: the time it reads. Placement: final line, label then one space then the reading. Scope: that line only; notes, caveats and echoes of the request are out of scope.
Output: 12:21
